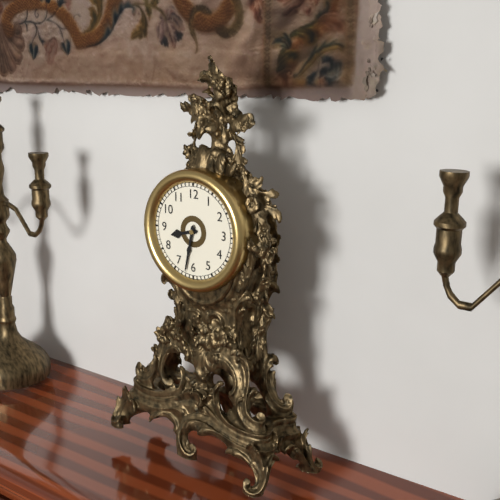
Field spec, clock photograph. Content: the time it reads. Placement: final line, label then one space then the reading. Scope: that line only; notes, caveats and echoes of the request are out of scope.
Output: 8:32
